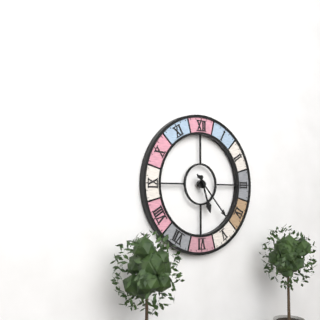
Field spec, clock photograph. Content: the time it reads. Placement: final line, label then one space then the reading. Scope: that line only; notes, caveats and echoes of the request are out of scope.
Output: 5:23
